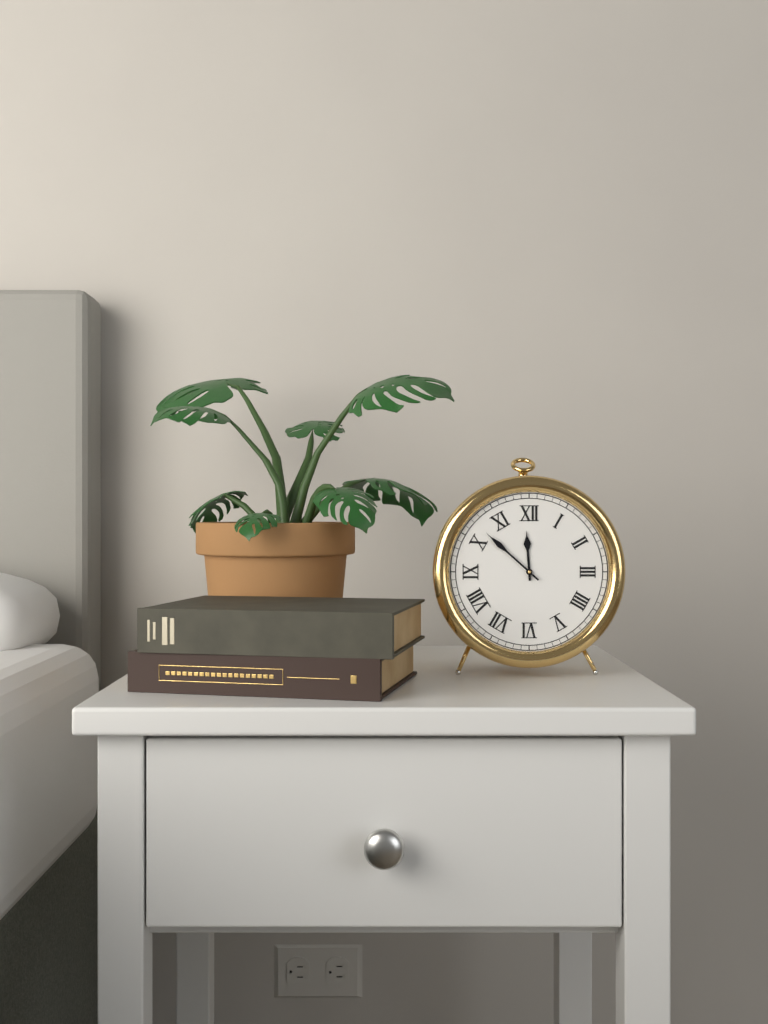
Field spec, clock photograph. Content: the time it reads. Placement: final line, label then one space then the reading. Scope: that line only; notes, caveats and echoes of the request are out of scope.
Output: 11:52
